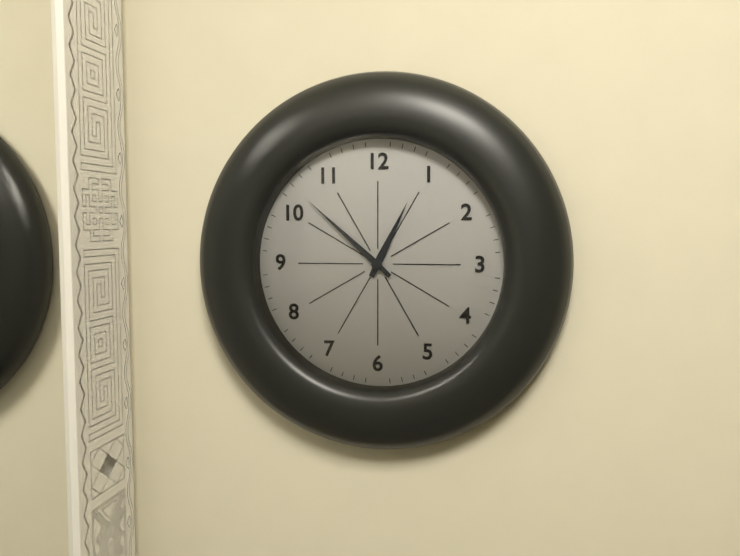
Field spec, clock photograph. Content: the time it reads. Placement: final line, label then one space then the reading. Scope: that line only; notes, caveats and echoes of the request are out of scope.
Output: 12:52
